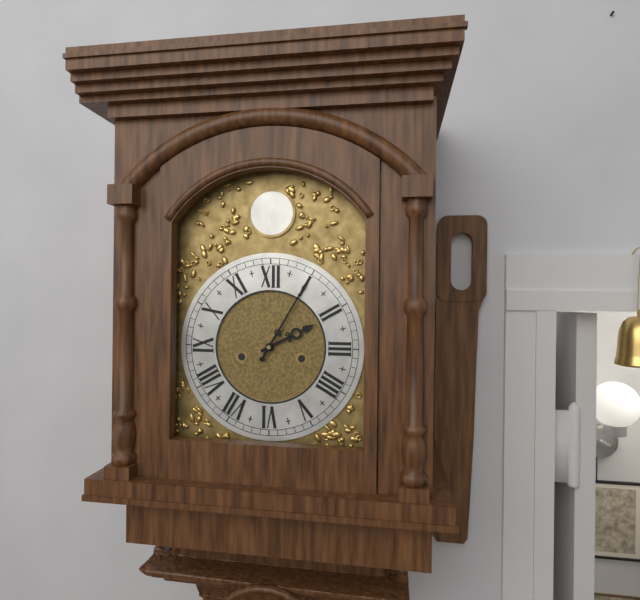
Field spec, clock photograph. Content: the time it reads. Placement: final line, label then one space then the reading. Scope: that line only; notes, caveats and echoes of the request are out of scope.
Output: 2:05
